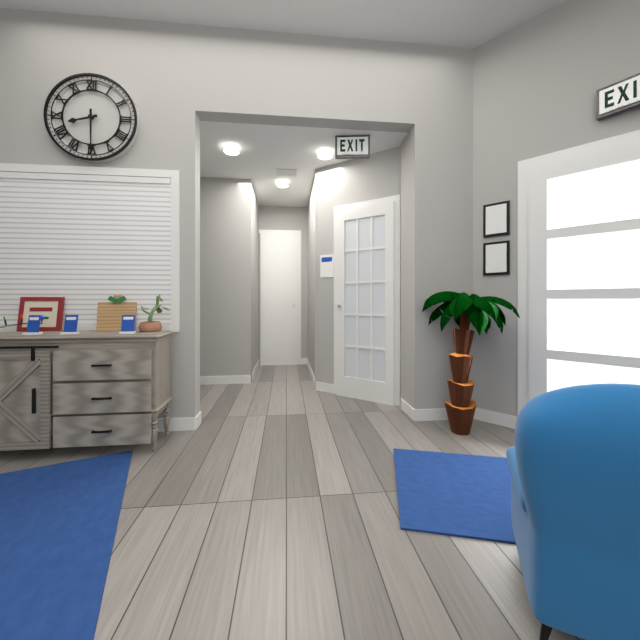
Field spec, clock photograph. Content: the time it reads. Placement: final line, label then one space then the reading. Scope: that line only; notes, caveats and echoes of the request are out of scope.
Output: 8:30
